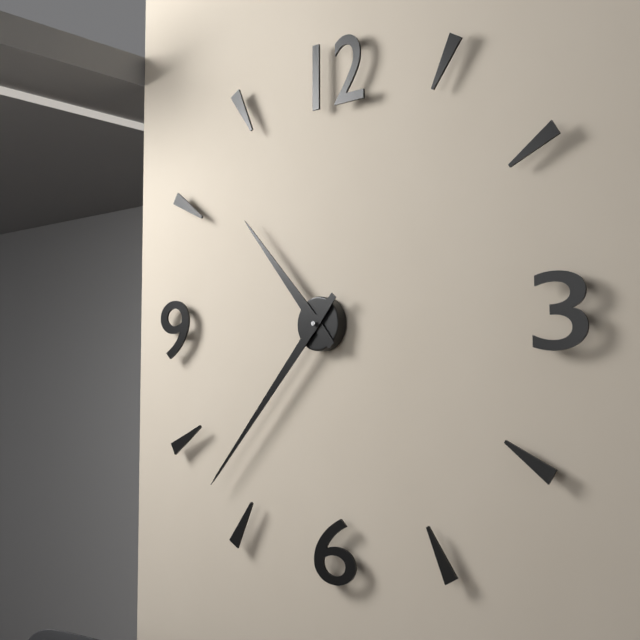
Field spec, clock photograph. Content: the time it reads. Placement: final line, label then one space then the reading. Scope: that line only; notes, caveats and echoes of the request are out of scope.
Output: 10:37
